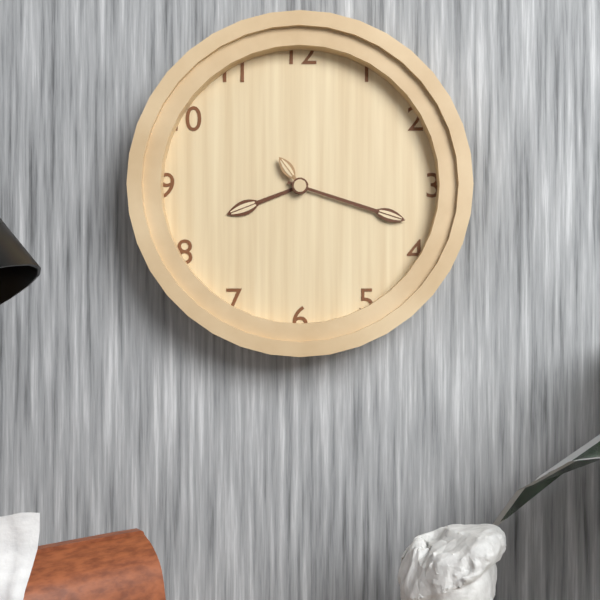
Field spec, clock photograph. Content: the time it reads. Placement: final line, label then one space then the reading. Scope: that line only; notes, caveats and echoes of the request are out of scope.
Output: 8:18
